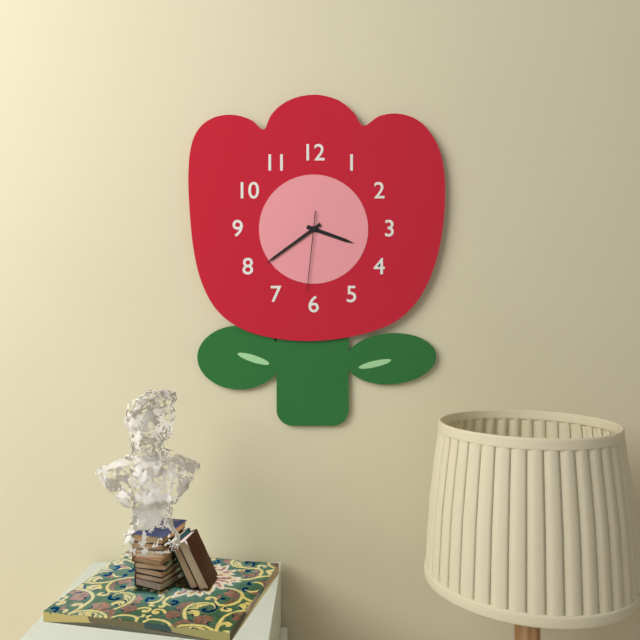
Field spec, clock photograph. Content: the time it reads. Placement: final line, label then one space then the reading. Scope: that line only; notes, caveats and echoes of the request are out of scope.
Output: 3:39:31
